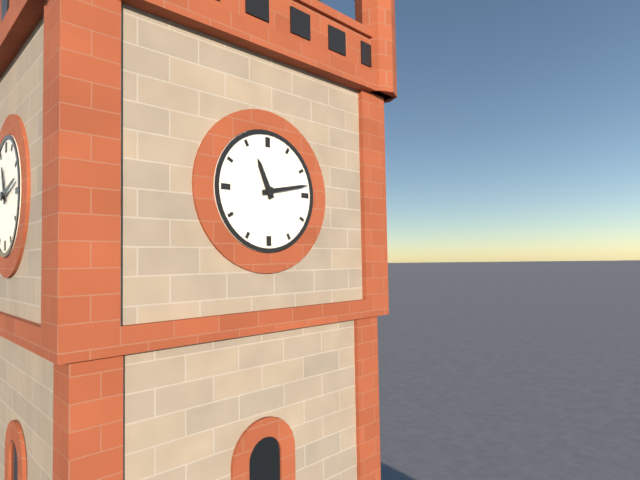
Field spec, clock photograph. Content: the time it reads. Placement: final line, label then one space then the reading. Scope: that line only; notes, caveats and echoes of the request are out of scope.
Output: 11:13
